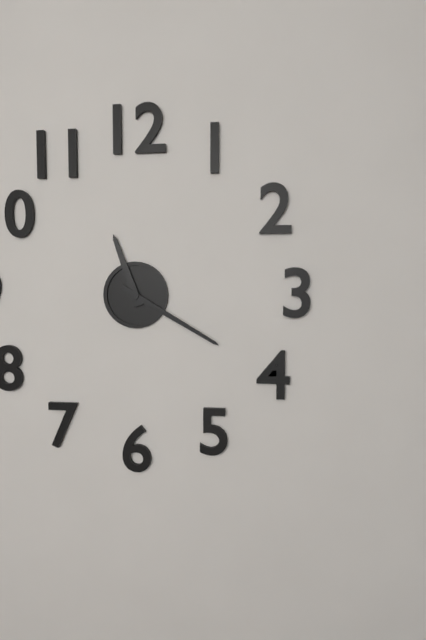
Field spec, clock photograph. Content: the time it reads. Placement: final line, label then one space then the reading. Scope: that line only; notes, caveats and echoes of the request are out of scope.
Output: 11:20
